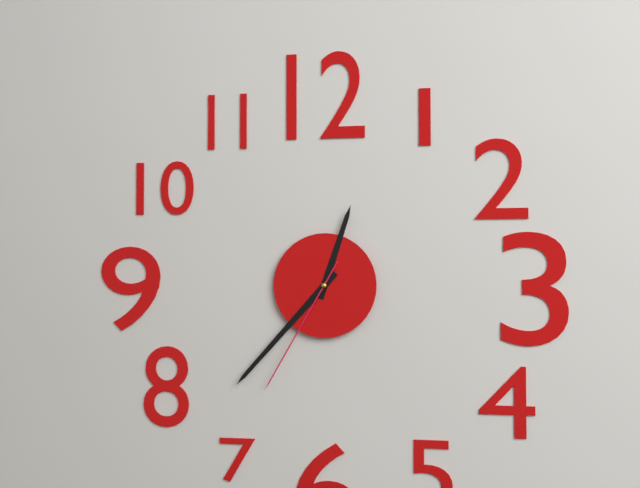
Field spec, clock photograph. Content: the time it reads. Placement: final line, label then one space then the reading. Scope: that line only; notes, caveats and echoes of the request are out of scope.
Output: 12:37:35
